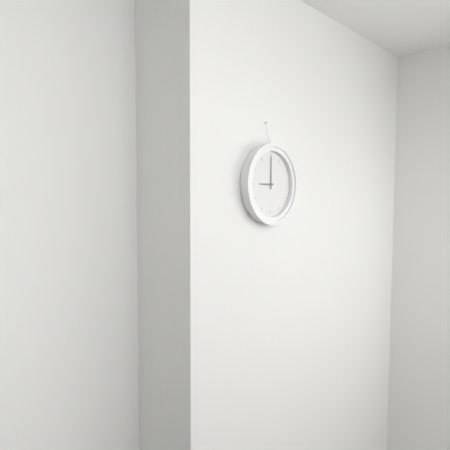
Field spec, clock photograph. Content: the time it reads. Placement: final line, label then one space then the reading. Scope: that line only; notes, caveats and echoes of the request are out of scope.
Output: 9:00
